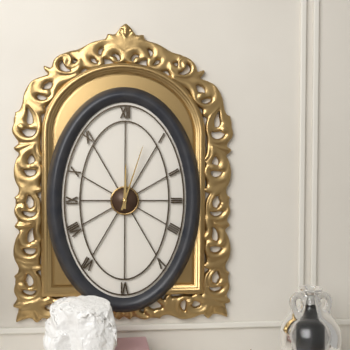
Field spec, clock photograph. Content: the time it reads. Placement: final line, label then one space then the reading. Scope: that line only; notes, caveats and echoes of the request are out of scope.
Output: 12:03
